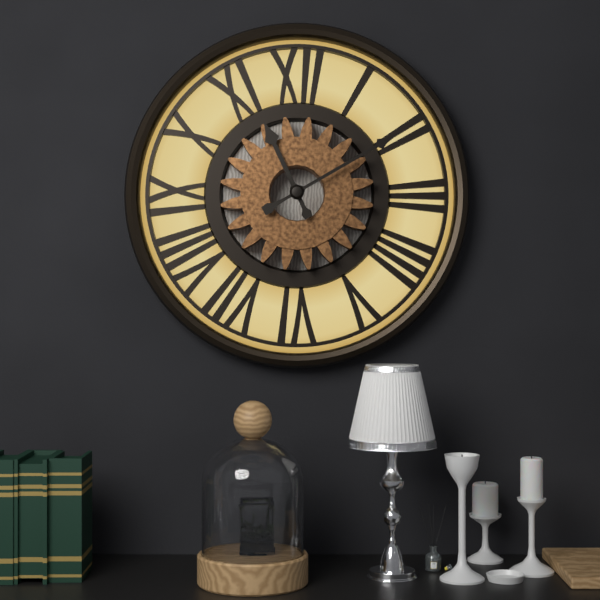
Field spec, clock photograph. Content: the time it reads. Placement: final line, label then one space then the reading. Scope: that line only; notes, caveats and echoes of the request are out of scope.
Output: 11:10
